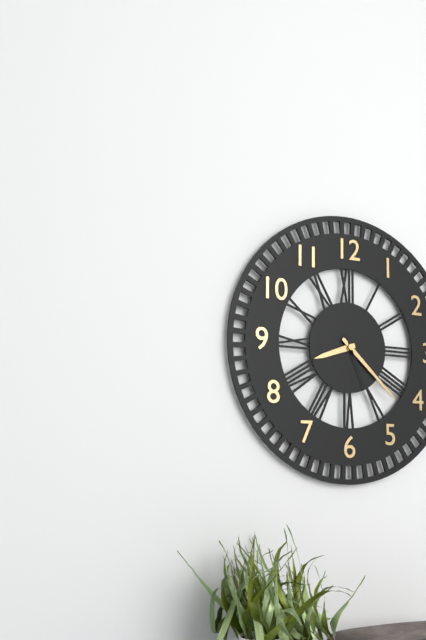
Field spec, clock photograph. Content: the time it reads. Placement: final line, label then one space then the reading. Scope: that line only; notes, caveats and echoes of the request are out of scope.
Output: 8:22:26
